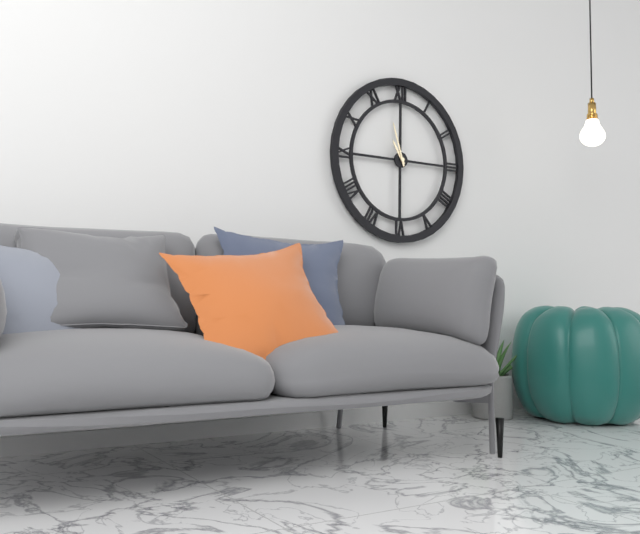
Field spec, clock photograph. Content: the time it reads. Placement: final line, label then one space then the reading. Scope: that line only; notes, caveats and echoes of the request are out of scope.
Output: 10:57
